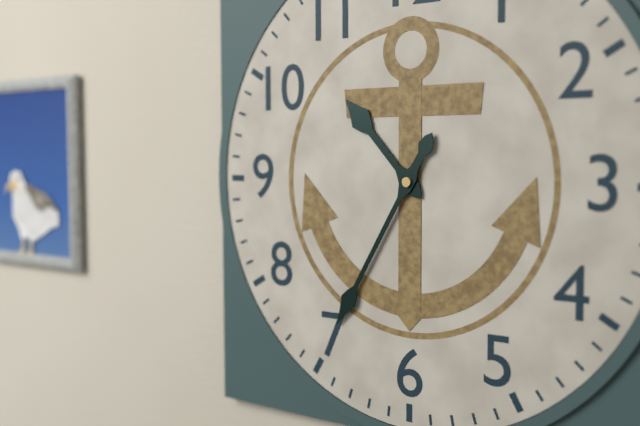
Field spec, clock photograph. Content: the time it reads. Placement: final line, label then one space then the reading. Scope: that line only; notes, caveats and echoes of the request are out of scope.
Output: 10:35
